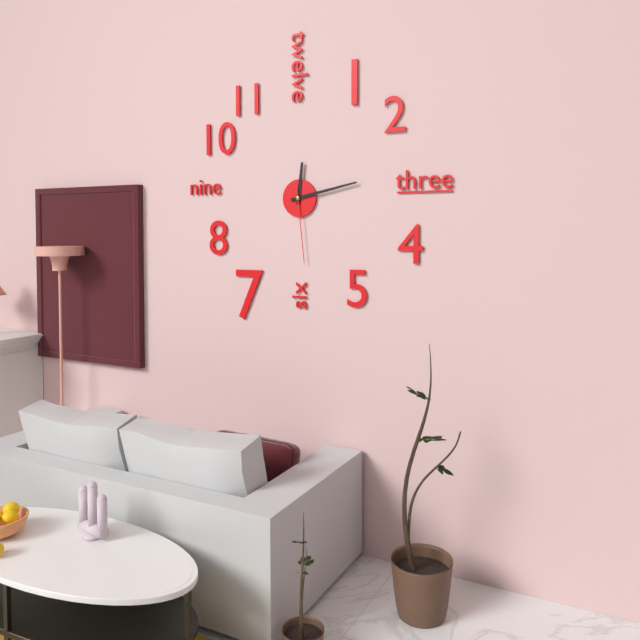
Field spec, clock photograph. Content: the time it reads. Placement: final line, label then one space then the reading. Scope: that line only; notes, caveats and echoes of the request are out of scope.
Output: 12:13:29
